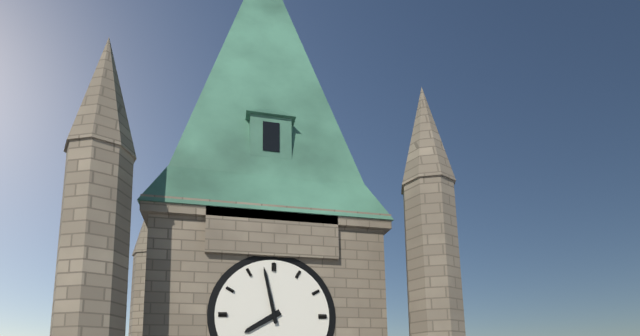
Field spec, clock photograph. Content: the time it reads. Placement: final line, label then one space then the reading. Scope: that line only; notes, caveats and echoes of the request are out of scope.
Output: 7:58
